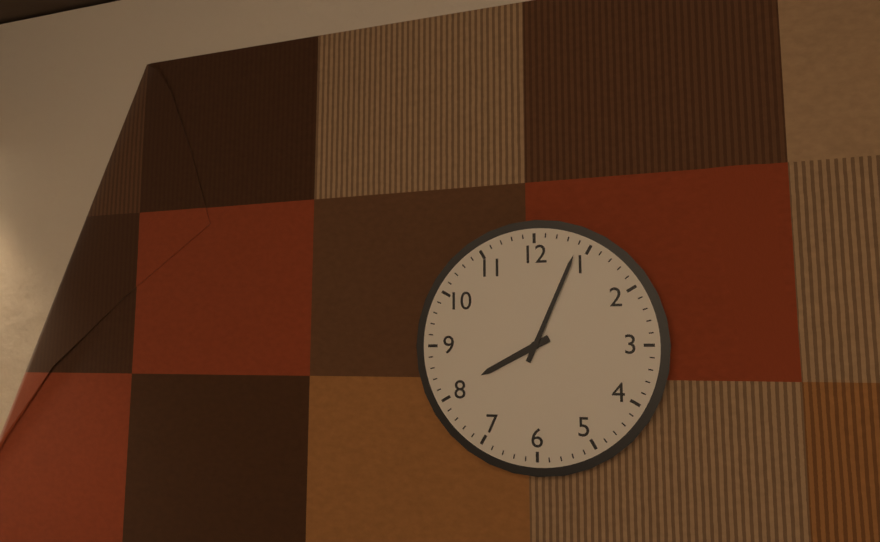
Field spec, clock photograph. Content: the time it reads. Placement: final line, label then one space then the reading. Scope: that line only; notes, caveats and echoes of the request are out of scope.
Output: 8:04
